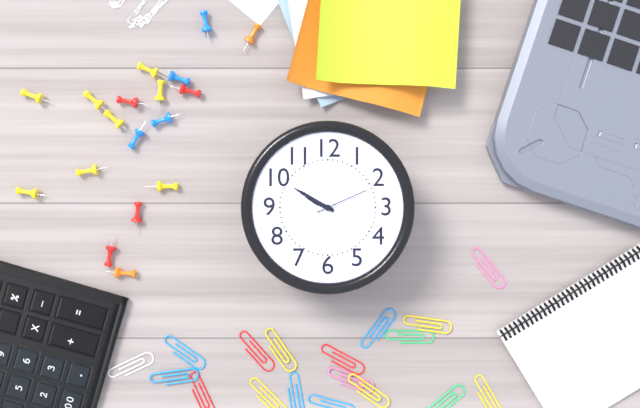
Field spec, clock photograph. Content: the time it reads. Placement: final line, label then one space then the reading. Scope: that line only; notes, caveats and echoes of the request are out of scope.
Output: 9:50:11
